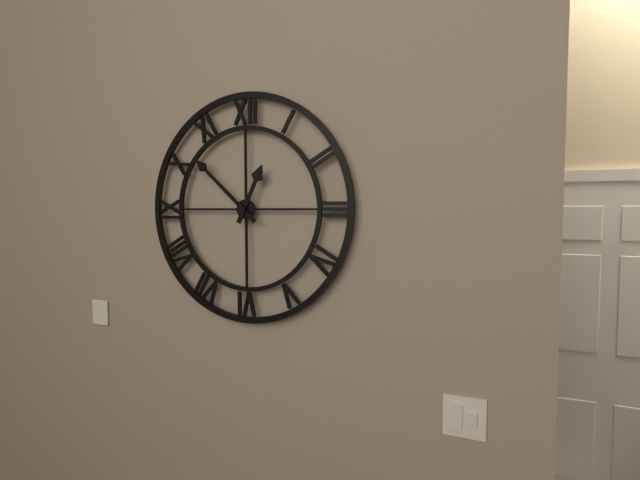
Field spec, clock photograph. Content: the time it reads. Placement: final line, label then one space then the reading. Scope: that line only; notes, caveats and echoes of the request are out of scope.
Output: 12:52
